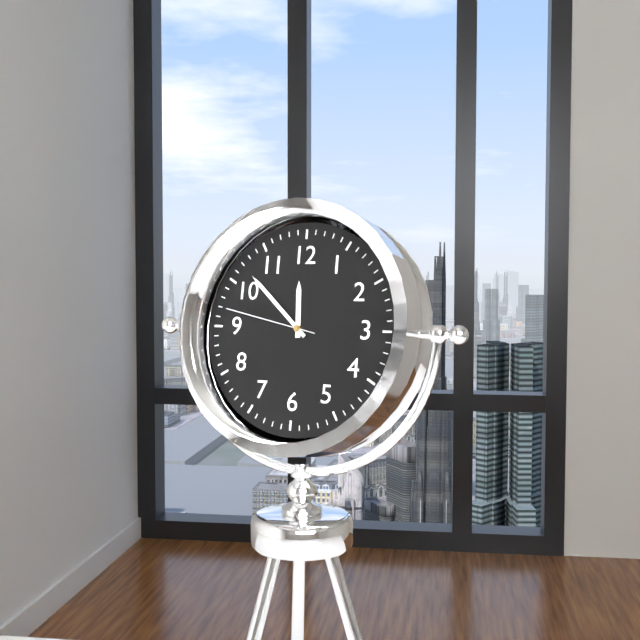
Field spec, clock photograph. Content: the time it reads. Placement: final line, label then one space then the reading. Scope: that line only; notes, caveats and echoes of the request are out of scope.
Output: 11:52:47
